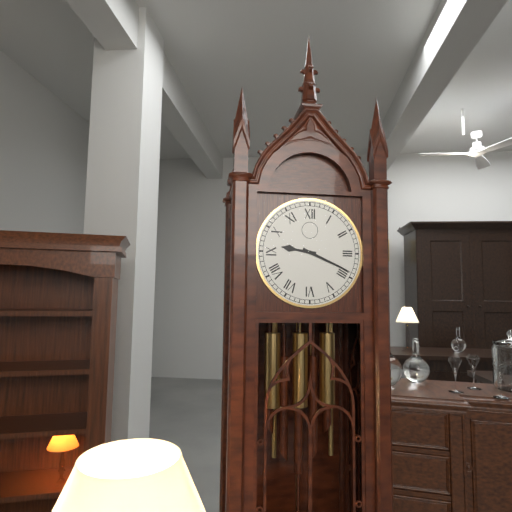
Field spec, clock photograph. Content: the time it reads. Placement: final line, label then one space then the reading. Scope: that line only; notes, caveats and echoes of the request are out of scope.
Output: 9:19
